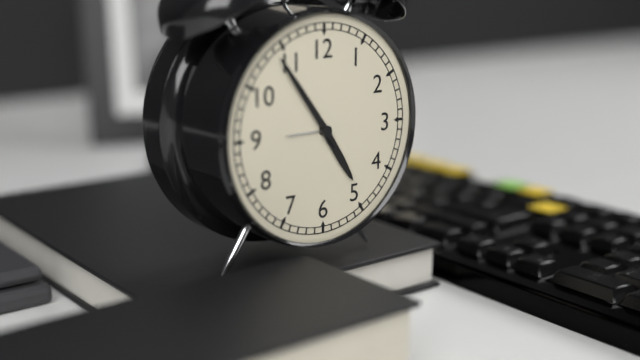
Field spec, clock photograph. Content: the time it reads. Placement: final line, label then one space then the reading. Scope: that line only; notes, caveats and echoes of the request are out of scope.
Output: 4:54
